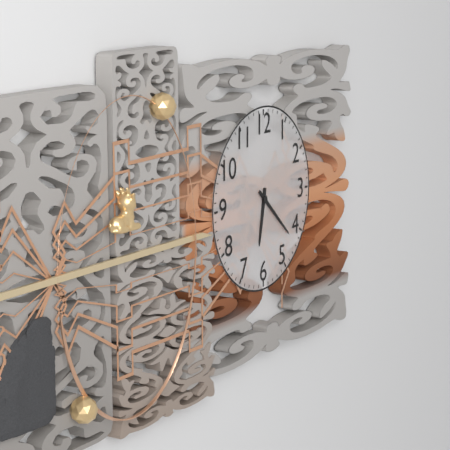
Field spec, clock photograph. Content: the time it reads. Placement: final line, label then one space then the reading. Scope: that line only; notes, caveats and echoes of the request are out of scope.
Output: 6:22
